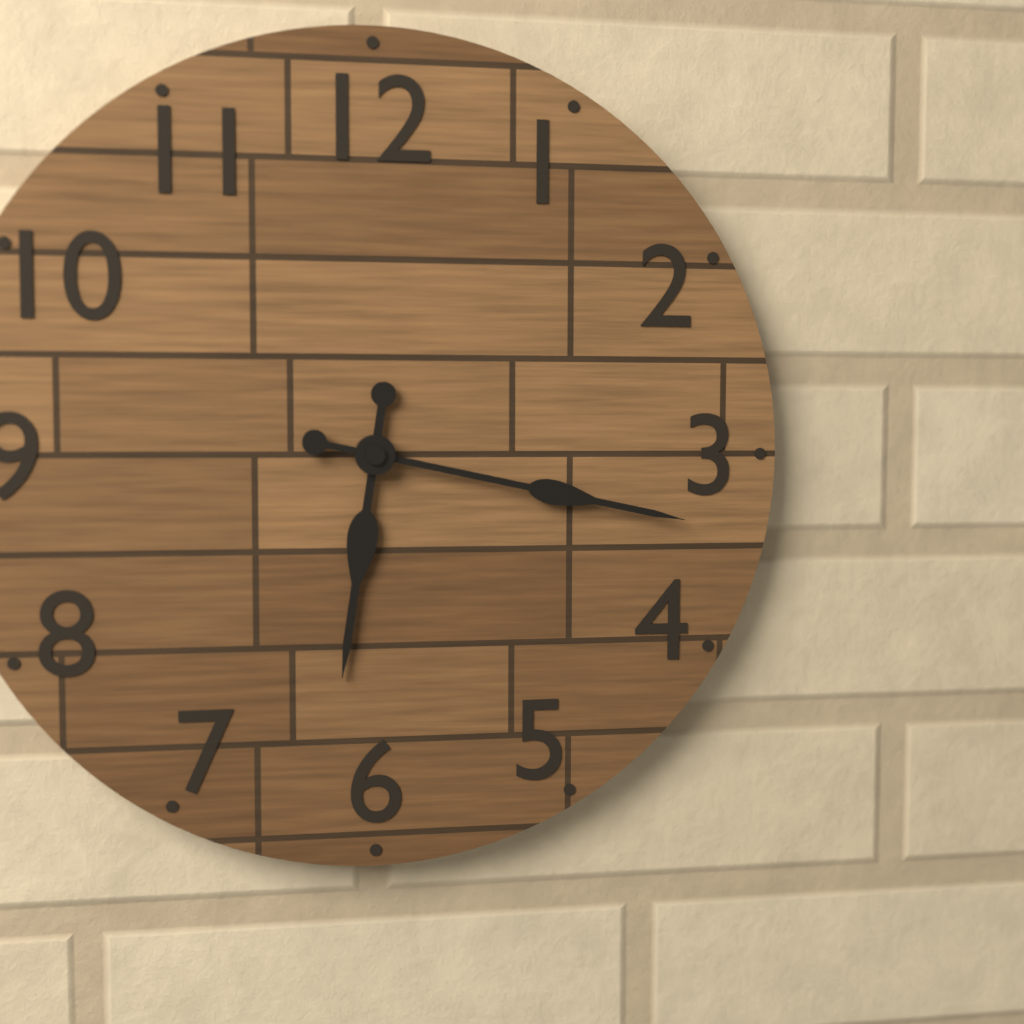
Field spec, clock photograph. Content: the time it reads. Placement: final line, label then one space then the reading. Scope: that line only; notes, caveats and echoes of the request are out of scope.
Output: 6:17
